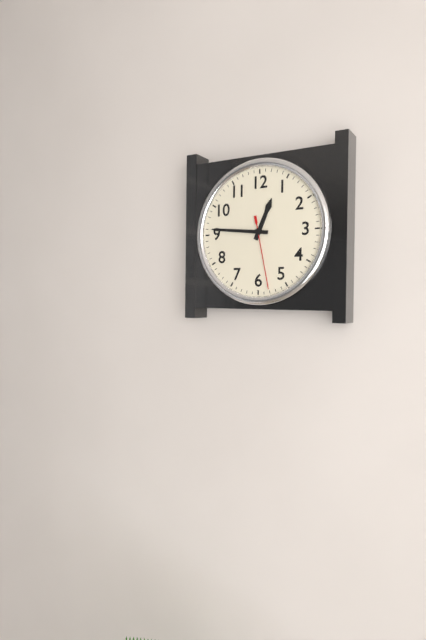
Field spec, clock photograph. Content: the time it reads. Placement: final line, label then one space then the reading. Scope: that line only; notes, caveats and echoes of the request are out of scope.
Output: 12:46:28
